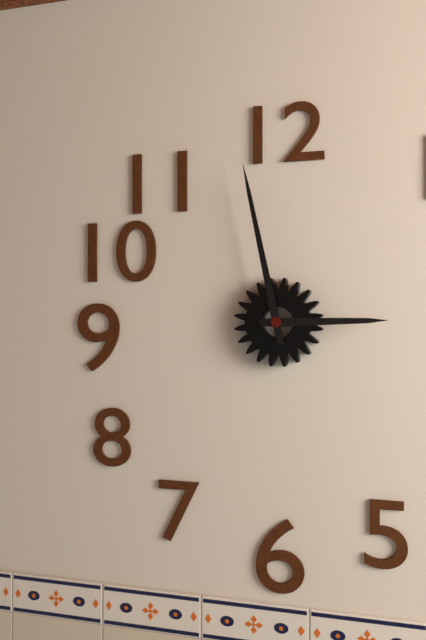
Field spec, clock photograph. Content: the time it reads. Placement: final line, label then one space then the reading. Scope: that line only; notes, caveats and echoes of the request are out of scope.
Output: 2:58
